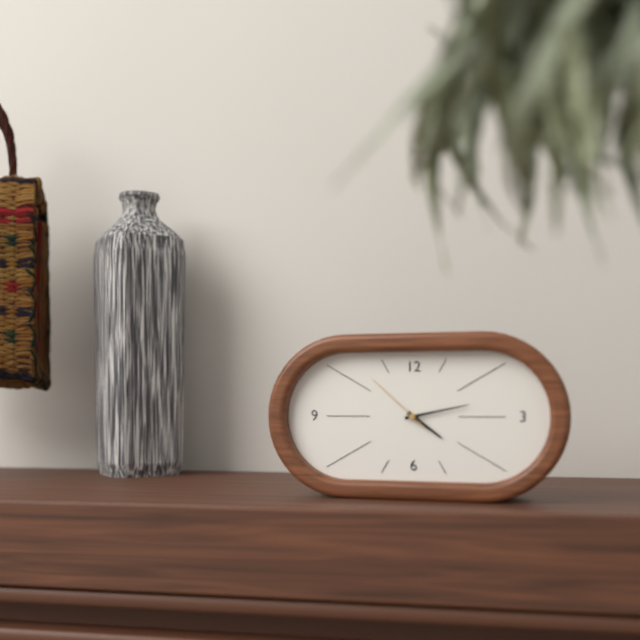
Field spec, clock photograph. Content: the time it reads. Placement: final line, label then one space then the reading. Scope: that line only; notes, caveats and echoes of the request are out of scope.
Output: 4:13:52
